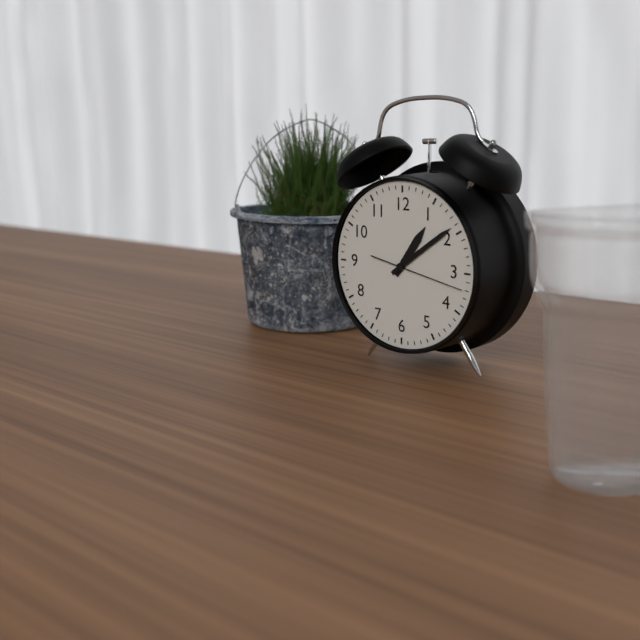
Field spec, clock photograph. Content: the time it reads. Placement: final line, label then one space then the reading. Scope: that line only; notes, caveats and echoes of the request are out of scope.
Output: 1:09:17
